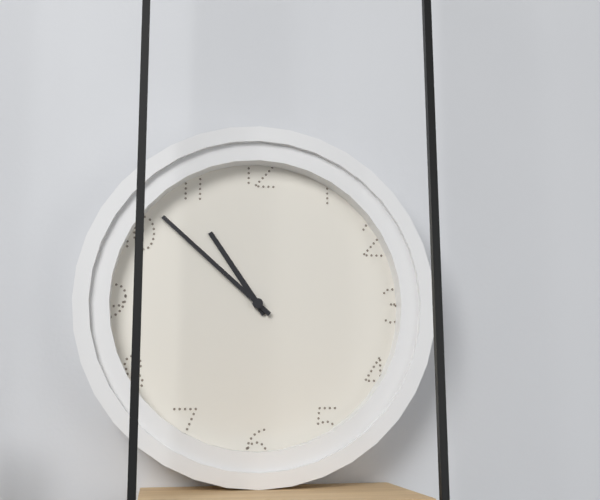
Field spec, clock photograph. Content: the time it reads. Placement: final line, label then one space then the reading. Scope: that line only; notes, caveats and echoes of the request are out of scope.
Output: 10:52
